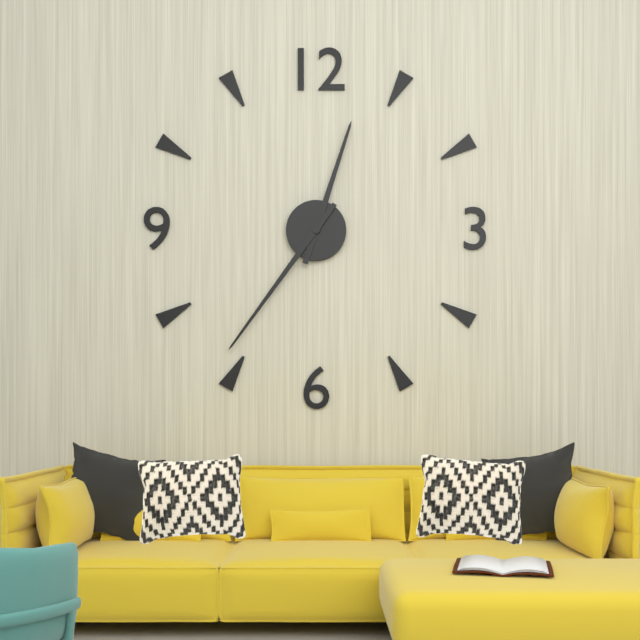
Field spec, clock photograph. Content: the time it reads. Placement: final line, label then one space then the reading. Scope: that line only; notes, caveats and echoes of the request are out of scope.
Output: 12:36
